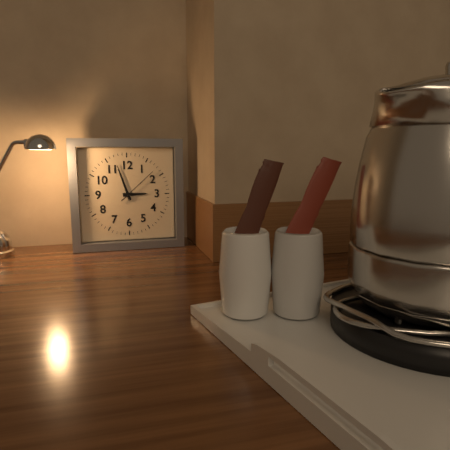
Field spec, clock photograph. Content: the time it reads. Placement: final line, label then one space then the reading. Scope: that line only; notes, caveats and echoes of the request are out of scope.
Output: 2:57
